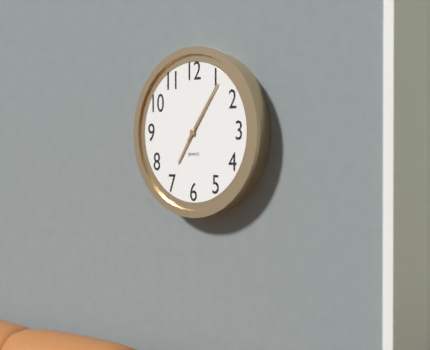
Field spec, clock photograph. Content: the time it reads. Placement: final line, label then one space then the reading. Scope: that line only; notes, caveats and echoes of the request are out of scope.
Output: 7:06
